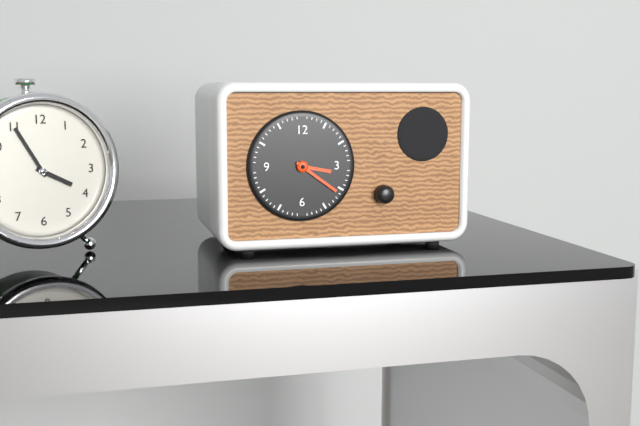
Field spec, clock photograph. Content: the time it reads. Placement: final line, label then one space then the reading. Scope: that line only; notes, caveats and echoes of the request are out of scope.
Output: 3:21
